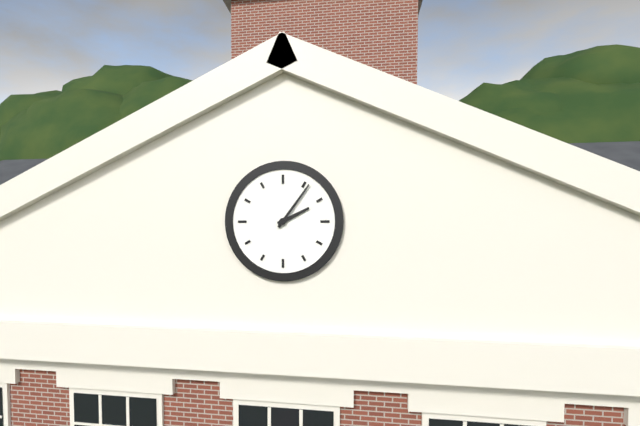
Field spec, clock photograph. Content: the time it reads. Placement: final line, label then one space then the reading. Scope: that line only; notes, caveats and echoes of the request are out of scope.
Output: 2:06
